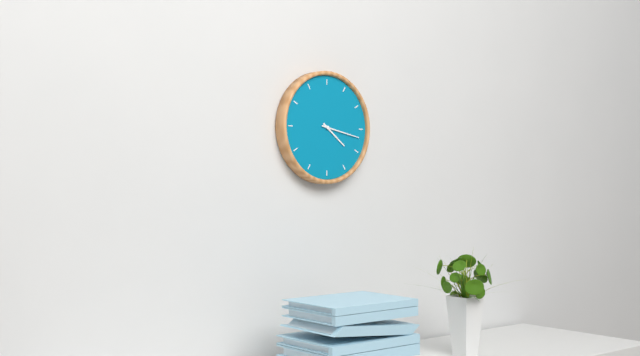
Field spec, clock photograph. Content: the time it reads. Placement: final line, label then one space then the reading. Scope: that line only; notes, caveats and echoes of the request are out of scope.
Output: 4:17
